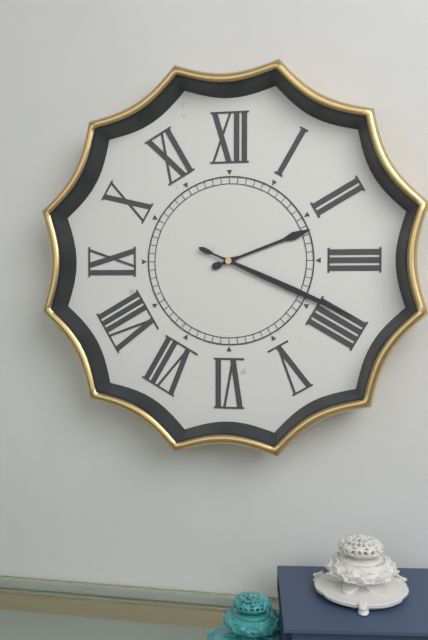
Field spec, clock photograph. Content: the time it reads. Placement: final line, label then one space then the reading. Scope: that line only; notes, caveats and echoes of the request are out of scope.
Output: 2:19
